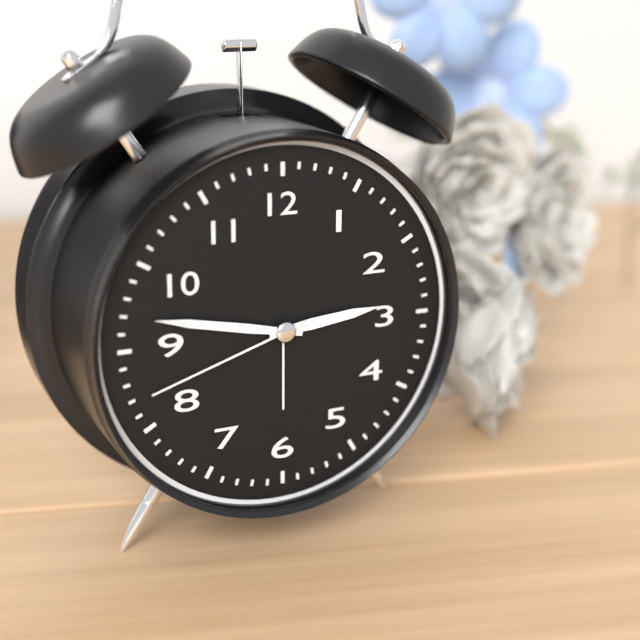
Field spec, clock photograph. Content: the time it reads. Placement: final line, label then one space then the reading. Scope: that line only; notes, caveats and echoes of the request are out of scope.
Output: 2:47:42
